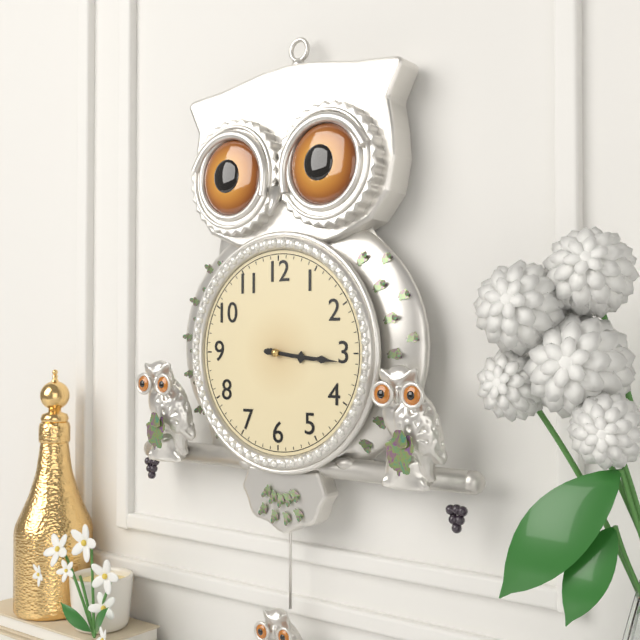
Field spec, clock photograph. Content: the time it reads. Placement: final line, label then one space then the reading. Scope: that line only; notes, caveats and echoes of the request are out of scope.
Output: 3:16
